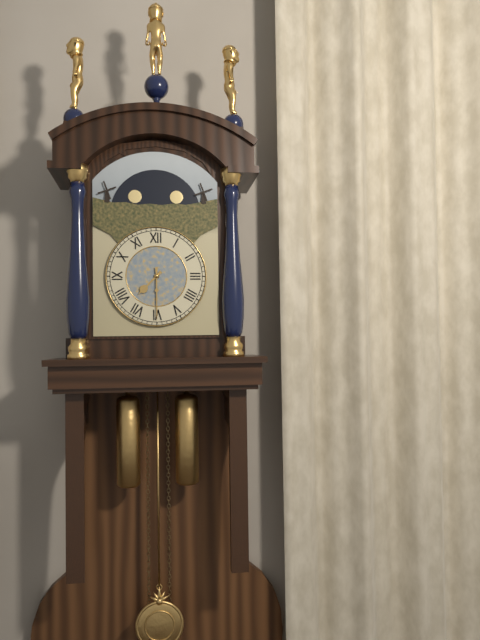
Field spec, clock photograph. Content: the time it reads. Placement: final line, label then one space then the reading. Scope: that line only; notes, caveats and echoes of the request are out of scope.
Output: 7:30
